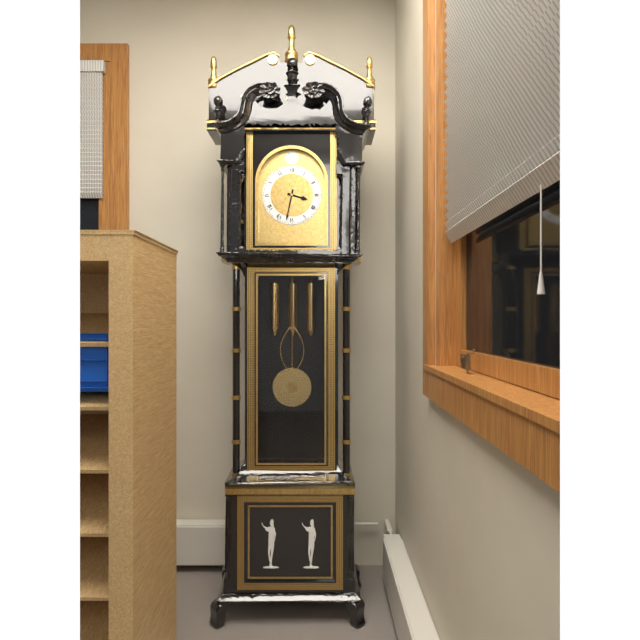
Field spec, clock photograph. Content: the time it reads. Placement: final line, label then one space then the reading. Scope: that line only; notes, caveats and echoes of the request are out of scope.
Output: 3:32
